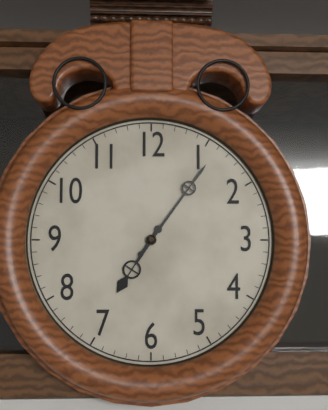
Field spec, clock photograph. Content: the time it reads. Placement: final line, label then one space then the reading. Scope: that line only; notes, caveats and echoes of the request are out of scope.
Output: 7:06
